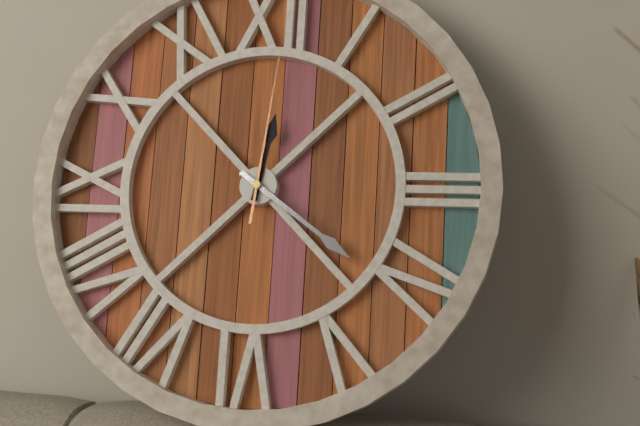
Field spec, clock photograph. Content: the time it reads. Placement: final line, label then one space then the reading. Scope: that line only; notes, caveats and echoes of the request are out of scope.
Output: 12:21:01
